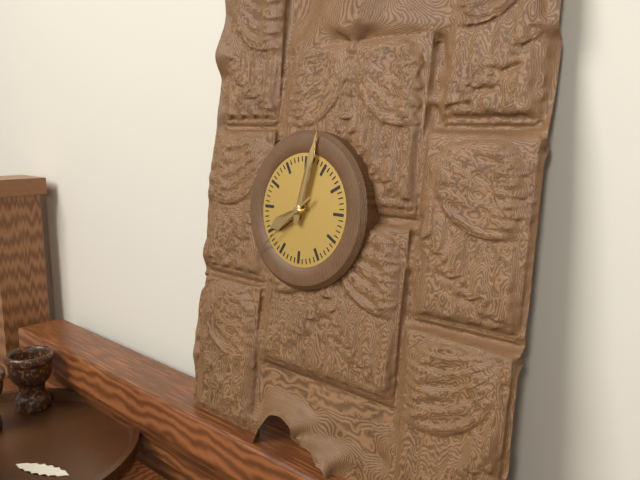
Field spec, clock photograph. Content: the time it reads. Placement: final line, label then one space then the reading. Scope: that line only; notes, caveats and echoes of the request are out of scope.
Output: 8:02:38
